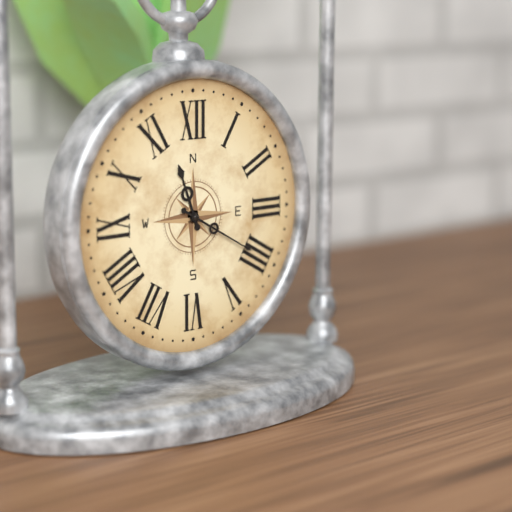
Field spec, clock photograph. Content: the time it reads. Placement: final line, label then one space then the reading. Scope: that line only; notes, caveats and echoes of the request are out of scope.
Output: 11:20
